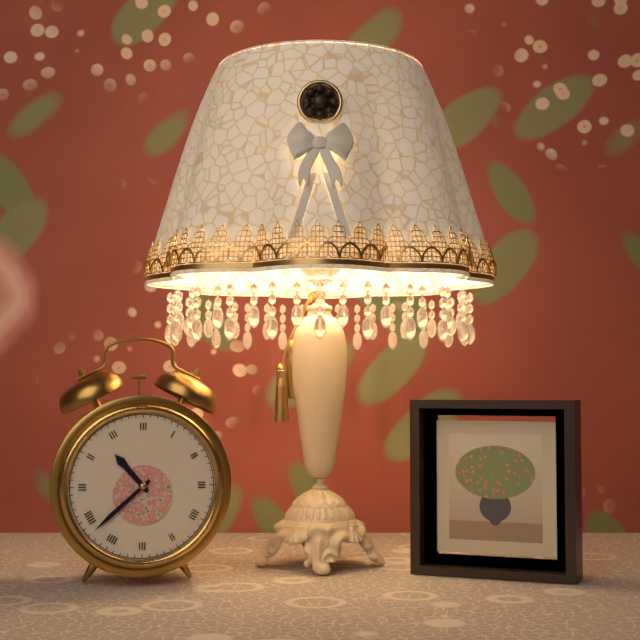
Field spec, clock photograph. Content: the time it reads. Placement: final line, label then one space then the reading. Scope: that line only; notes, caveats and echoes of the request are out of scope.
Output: 10:38
